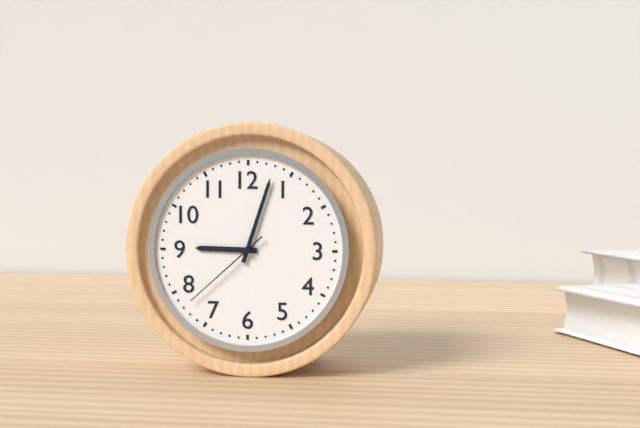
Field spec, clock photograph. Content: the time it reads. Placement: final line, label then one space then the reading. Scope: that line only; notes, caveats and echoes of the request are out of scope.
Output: 9:03:38
